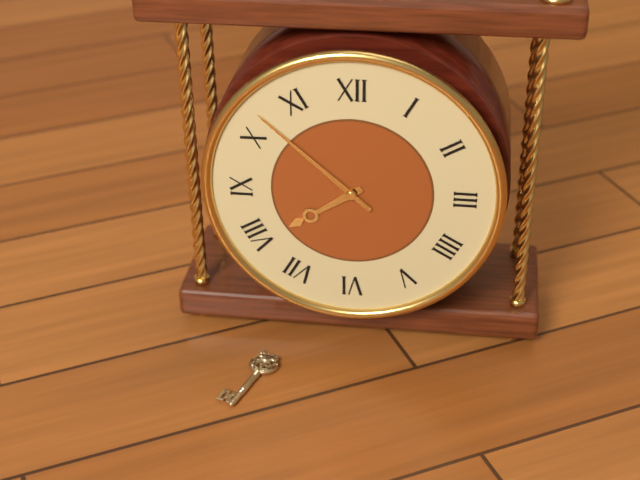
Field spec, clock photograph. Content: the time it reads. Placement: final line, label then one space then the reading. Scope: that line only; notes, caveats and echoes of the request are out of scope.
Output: 7:52
